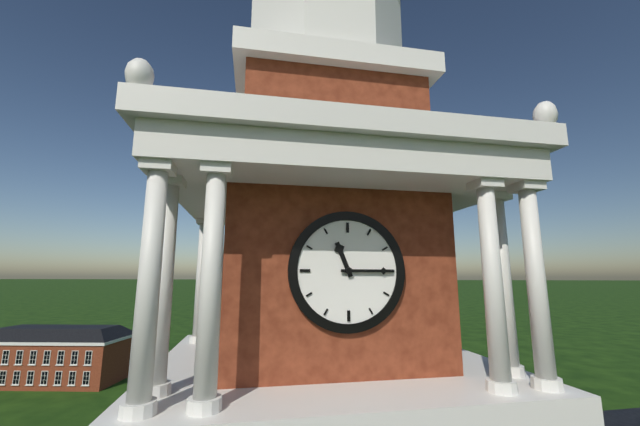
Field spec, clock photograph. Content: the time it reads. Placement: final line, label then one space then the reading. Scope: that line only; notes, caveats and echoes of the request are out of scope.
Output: 11:15
